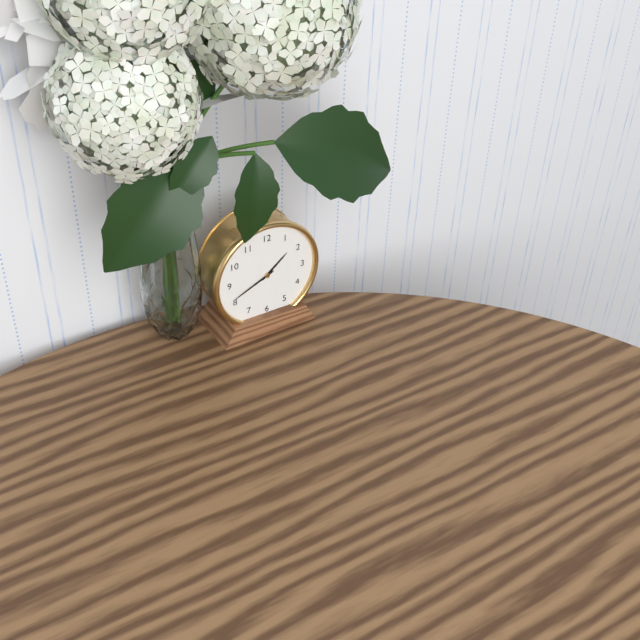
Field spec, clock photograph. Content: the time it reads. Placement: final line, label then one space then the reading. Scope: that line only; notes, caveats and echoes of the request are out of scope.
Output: 1:41
